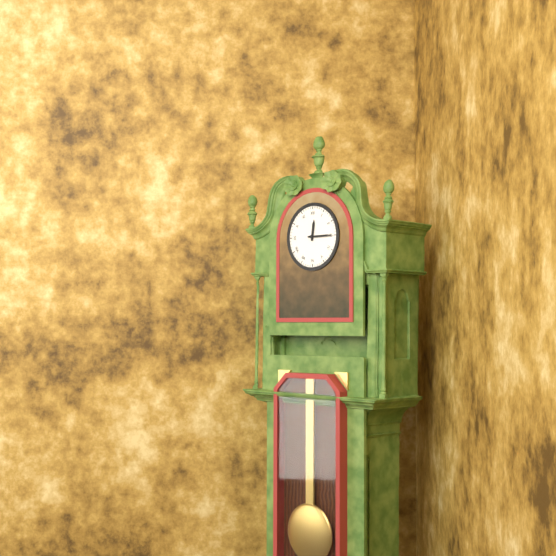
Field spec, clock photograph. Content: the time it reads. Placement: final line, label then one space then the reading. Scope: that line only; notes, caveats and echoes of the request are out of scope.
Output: 12:15
